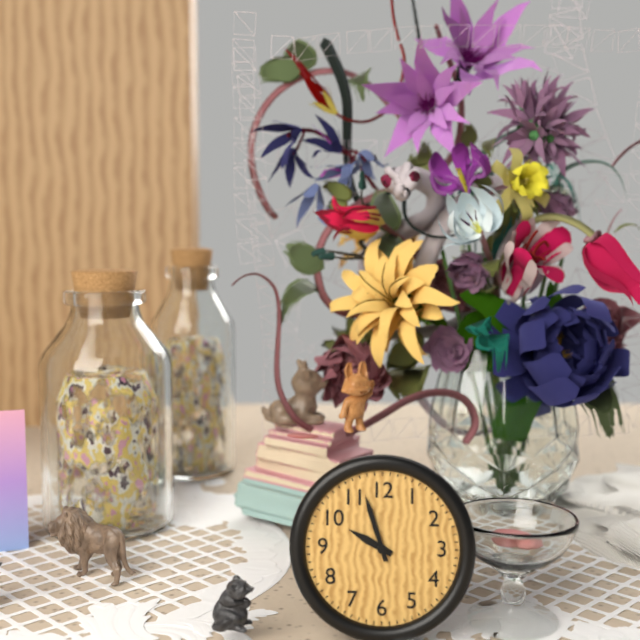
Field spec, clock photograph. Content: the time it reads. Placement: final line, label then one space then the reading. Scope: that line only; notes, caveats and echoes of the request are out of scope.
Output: 9:57
